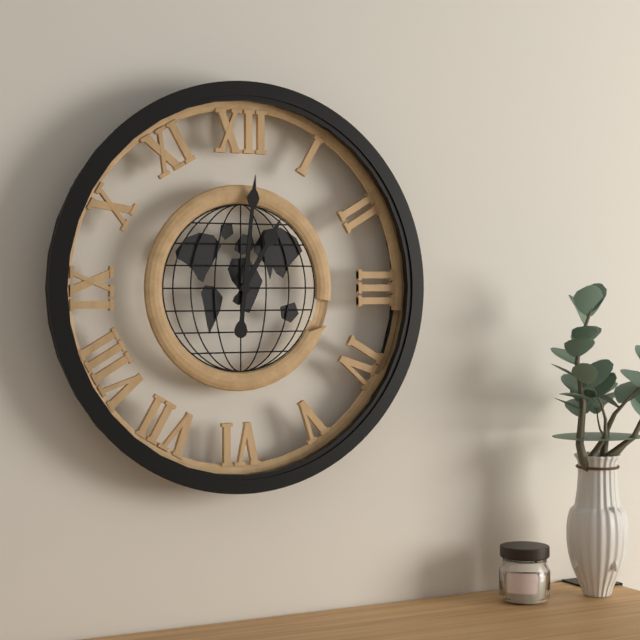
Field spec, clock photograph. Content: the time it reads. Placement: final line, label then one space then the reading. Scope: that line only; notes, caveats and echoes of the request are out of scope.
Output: 1:01
